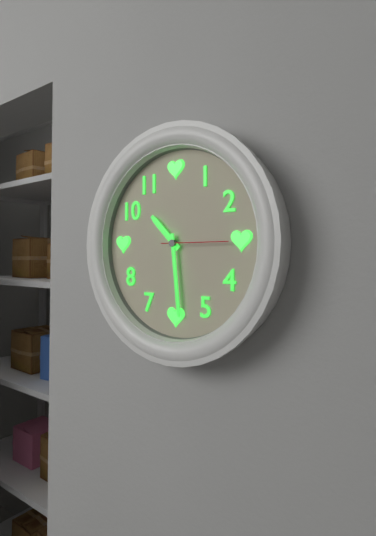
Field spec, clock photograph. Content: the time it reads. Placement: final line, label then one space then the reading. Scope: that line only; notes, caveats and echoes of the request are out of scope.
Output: 10:29:15
